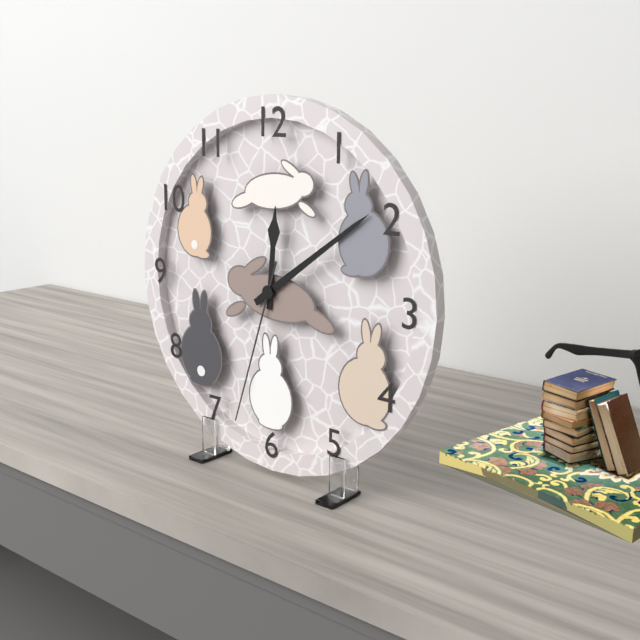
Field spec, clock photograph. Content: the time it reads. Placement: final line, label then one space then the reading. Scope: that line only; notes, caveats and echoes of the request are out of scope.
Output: 12:09:33
